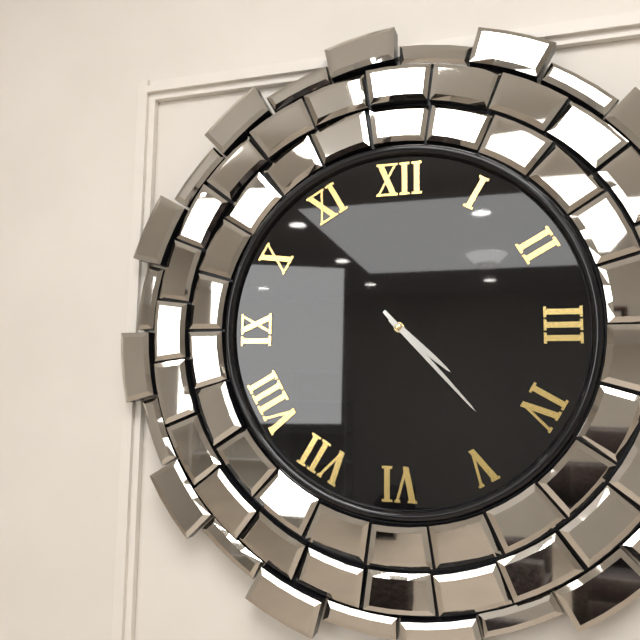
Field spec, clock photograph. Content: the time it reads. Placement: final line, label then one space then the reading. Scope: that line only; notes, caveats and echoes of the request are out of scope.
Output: 4:23
